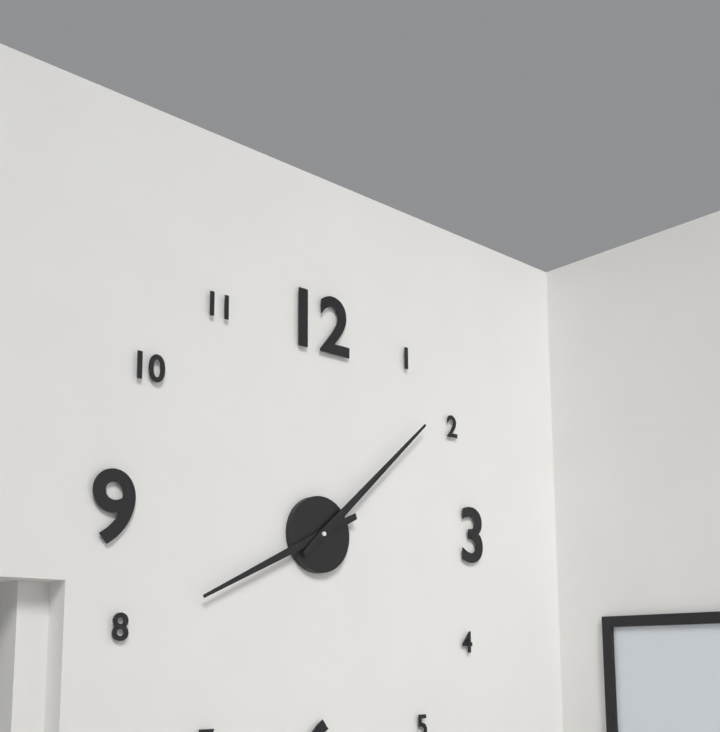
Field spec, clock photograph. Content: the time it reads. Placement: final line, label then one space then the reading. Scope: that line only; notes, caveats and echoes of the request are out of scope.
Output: 8:08
